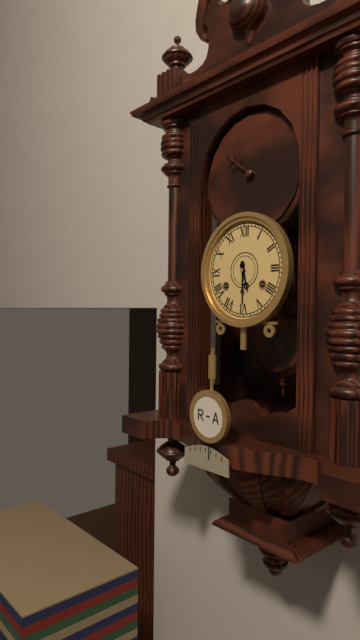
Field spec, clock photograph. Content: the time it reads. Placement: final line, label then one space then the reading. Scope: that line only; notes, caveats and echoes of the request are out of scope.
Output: 5:30
